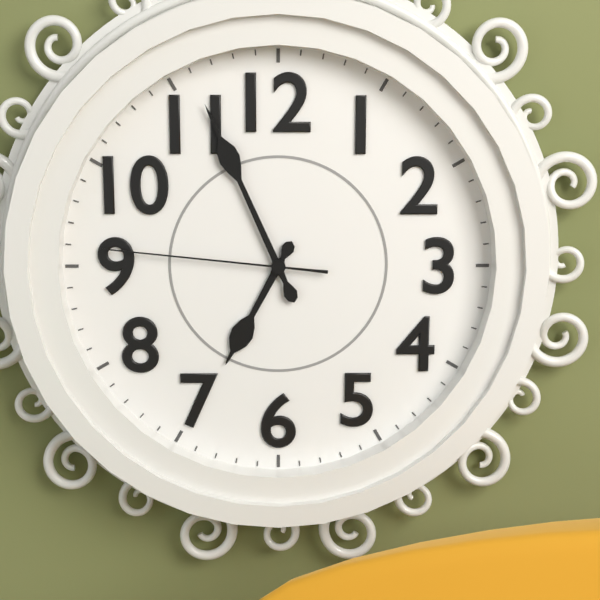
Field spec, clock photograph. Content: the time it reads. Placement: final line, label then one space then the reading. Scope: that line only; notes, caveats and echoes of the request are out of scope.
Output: 6:56:46
